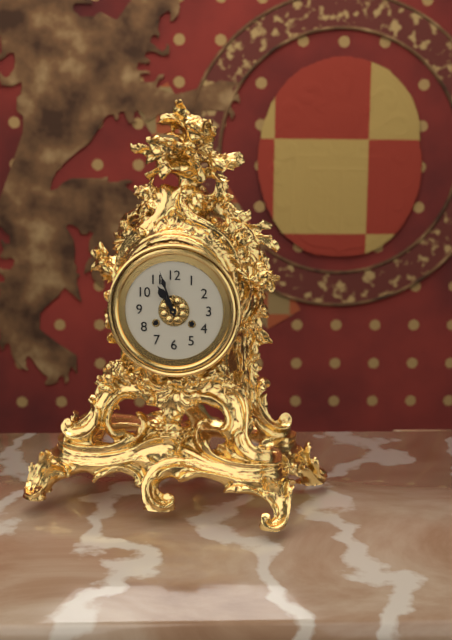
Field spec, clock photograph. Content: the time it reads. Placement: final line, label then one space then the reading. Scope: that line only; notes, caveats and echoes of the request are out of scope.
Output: 10:57
